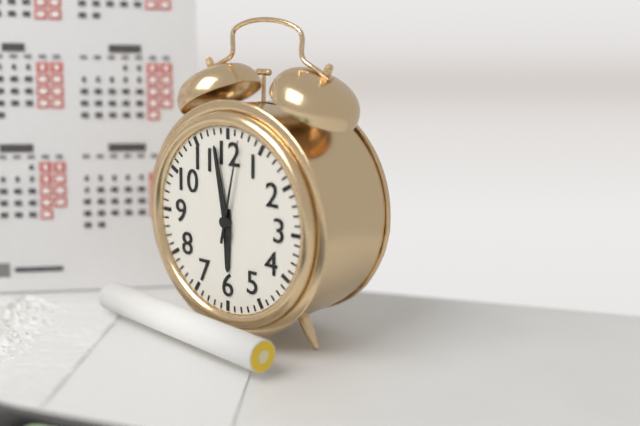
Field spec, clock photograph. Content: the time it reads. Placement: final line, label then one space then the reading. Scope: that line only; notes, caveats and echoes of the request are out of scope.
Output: 5:58:02
